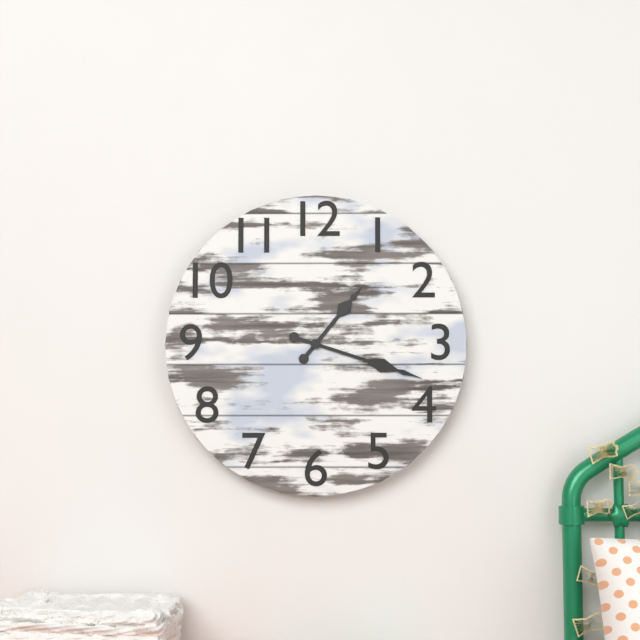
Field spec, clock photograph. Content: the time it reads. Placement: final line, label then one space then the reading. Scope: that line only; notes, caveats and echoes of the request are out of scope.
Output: 1:18
